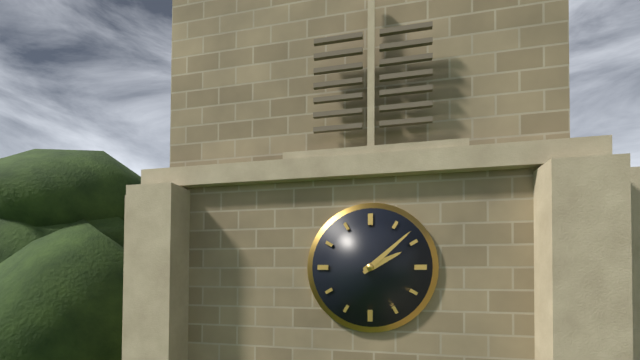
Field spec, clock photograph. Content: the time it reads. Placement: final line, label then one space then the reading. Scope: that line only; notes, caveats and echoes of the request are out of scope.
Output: 2:08
